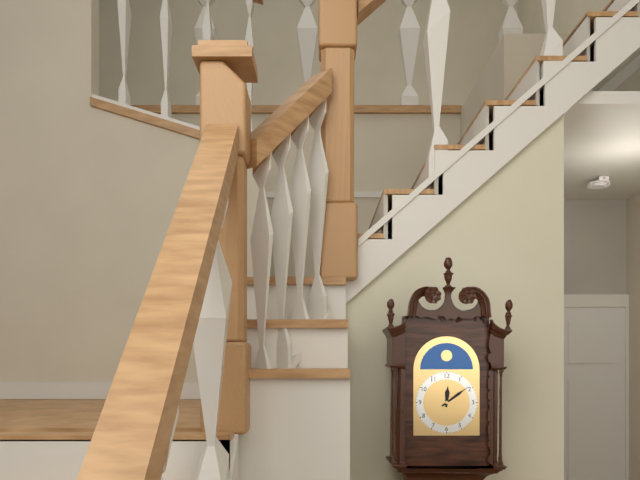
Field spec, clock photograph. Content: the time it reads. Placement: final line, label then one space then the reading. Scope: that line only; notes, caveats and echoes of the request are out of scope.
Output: 12:09
